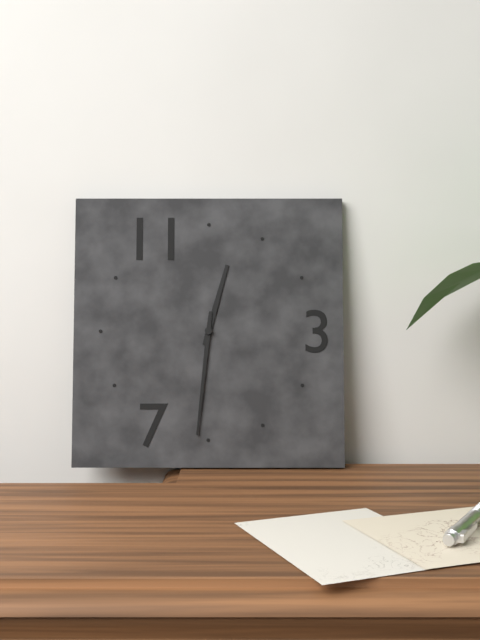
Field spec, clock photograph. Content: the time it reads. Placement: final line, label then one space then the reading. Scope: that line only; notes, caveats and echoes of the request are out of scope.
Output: 12:31
